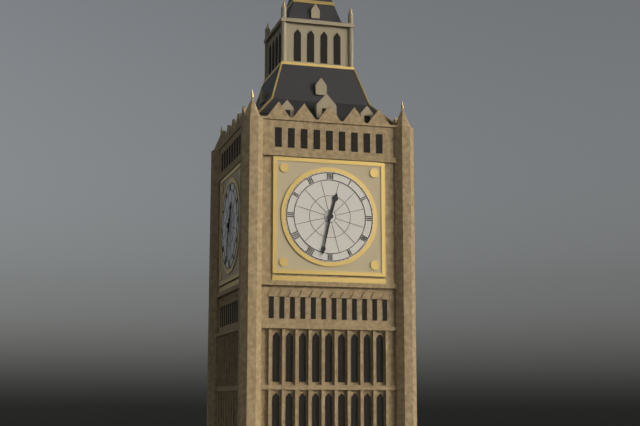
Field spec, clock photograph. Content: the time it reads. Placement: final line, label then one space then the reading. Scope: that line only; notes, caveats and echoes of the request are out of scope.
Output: 12:32
